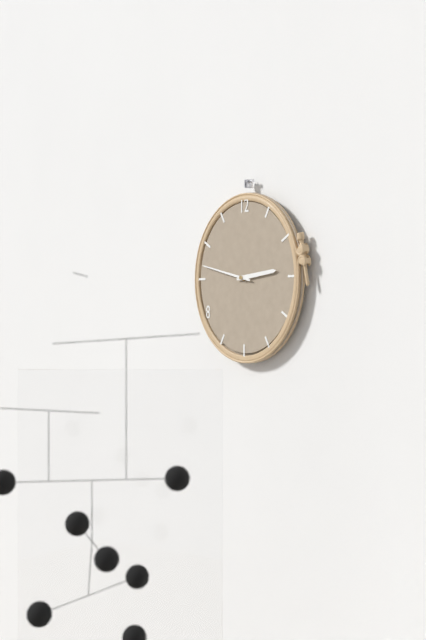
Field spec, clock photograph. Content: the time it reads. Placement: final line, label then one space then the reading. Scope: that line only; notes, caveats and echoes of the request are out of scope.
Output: 2:47
